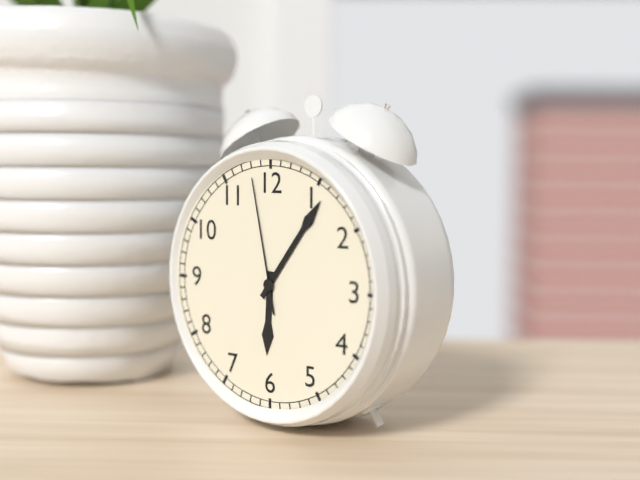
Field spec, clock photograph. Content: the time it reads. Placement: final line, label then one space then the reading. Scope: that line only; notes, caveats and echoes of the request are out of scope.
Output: 6:06:58
